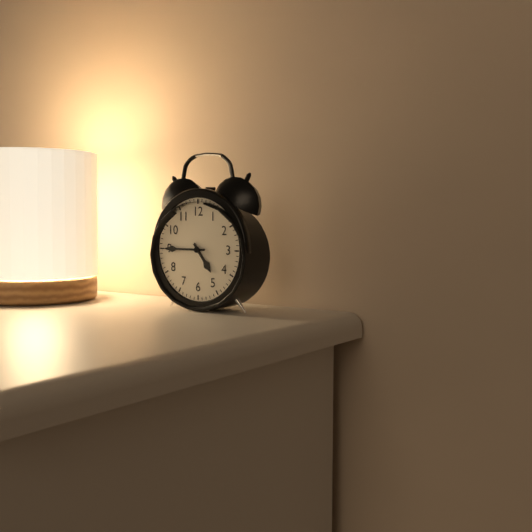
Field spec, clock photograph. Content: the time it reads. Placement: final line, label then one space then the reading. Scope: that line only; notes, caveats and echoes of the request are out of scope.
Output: 4:45
